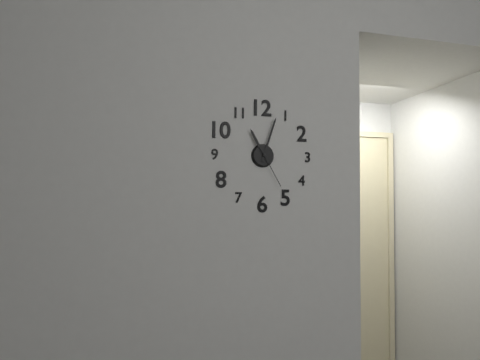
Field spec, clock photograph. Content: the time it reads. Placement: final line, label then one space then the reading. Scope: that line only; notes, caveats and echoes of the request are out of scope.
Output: 11:03
